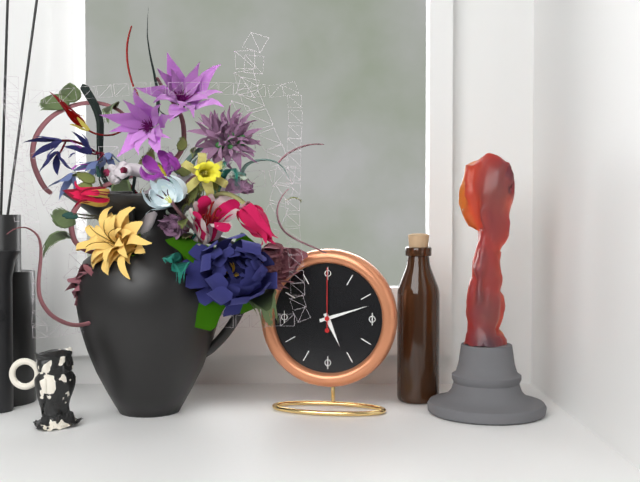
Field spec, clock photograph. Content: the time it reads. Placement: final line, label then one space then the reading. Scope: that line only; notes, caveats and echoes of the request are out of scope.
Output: 5:12:00
